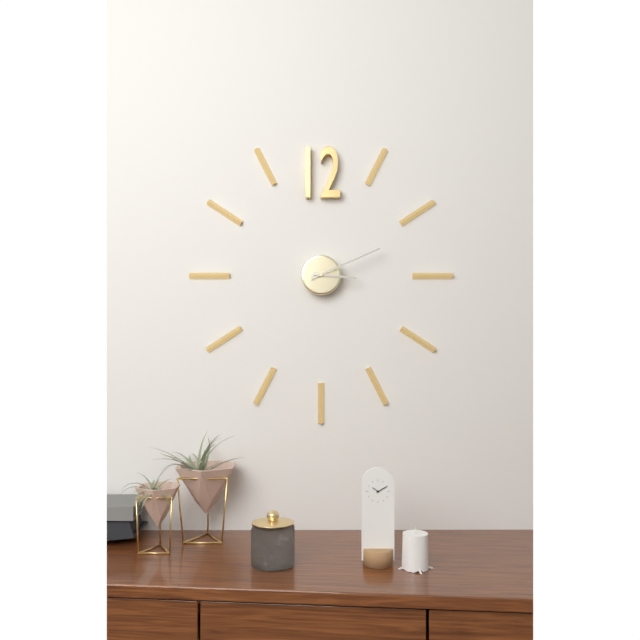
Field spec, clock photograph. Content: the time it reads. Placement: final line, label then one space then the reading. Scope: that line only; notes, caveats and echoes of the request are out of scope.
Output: 3:11
